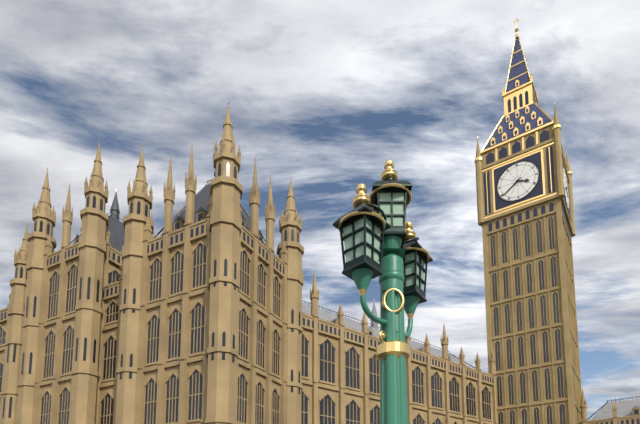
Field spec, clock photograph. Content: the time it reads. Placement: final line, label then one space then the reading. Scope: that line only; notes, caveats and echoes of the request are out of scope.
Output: 3:39
